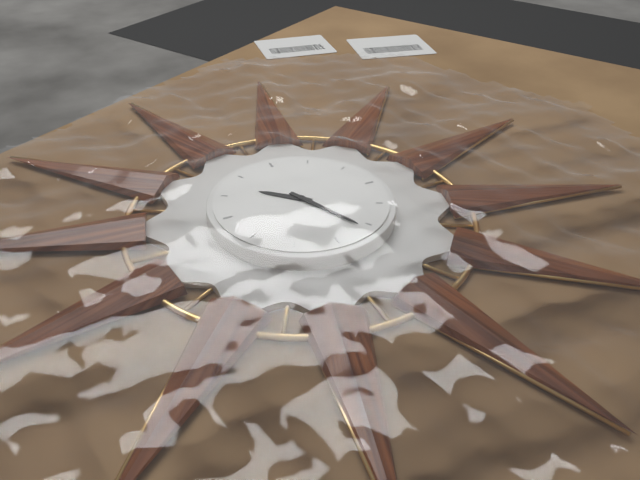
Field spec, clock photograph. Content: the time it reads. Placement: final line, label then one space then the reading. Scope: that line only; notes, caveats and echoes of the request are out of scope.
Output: 10:26
